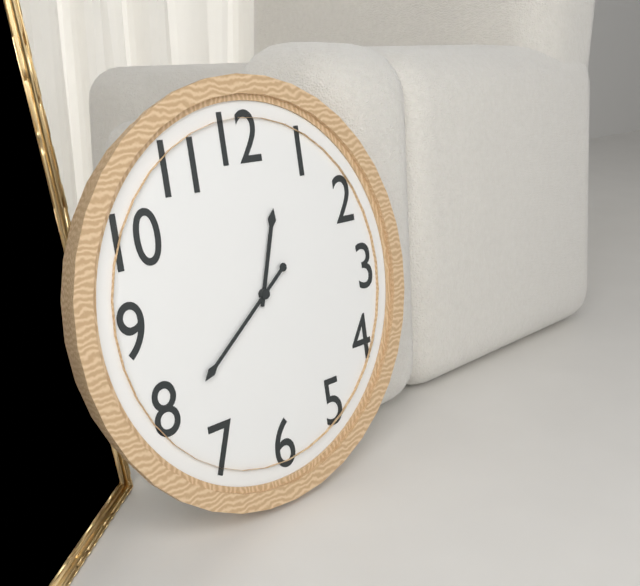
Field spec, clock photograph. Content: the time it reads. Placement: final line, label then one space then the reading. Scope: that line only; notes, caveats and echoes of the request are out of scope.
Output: 12:39
